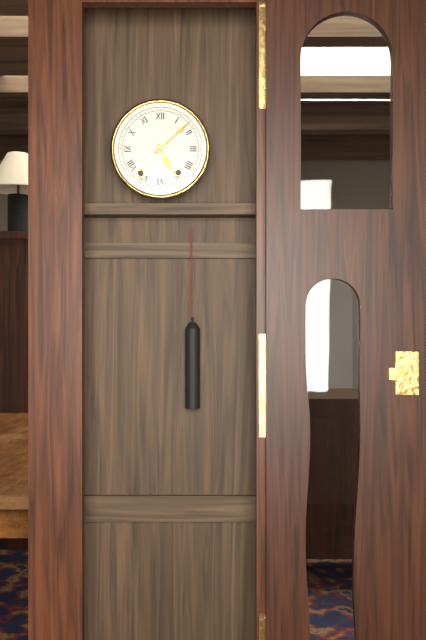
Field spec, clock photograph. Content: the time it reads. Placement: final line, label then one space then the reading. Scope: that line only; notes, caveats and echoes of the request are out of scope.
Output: 5:08
